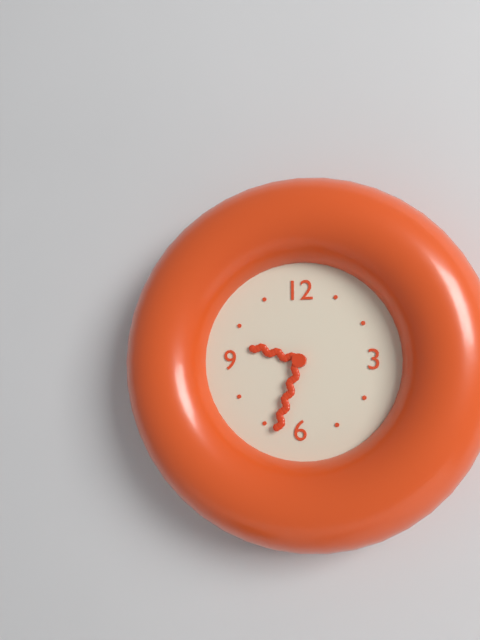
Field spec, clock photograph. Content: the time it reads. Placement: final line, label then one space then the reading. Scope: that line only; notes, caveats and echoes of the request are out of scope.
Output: 9:33
